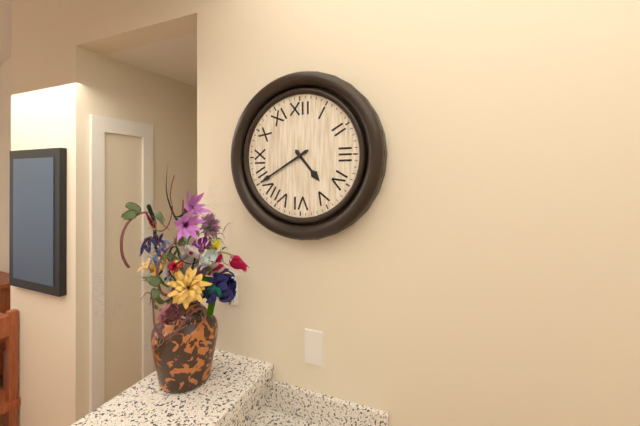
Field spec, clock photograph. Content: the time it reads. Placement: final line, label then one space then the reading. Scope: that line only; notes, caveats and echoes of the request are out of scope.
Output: 4:40
